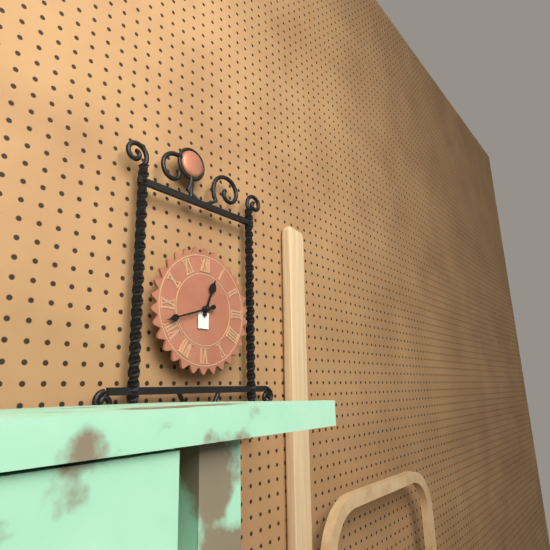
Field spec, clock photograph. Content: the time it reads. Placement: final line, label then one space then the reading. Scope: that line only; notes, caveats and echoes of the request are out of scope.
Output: 12:42
